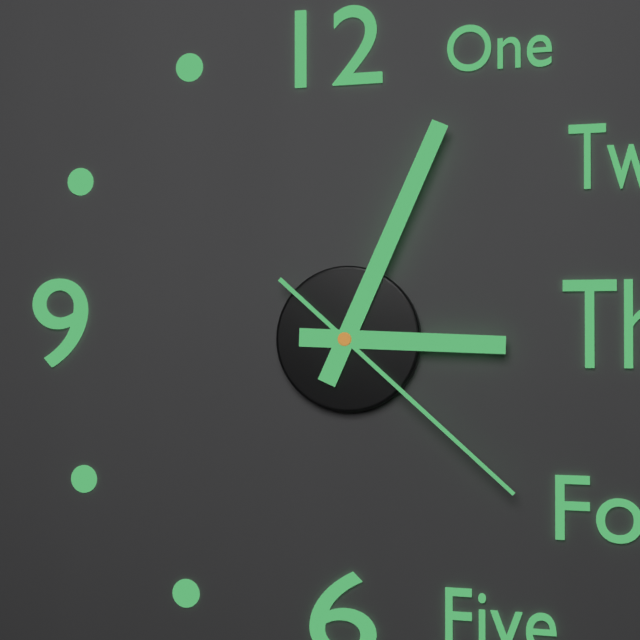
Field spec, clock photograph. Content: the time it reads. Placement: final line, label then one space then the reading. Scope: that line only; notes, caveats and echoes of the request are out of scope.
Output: 3:04:22
